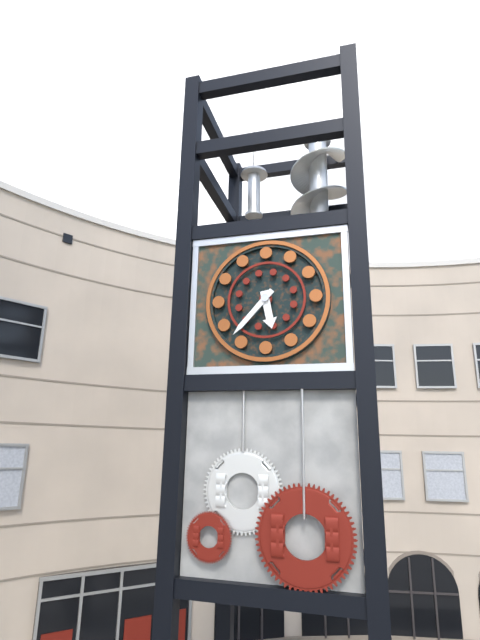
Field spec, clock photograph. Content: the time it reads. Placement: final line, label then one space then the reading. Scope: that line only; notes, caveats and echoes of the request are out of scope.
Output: 5:37
